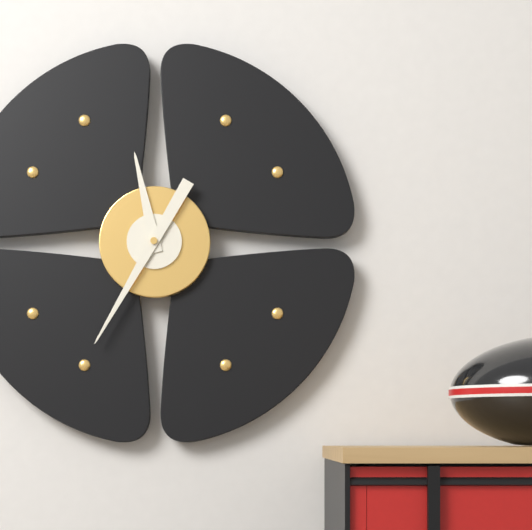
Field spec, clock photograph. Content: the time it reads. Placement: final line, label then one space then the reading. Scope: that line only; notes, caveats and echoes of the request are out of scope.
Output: 11:35
